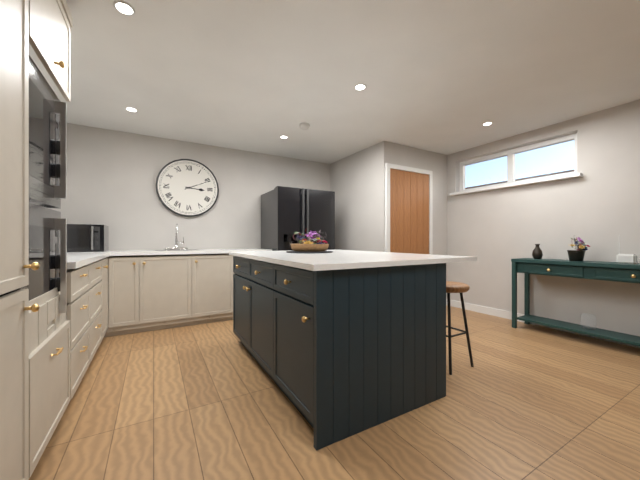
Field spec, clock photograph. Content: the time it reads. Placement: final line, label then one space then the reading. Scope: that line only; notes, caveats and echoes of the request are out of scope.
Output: 3:11
